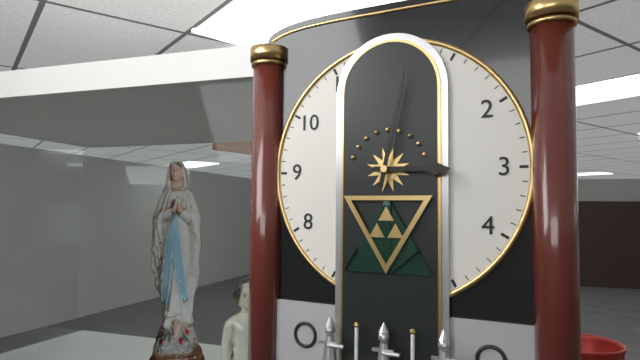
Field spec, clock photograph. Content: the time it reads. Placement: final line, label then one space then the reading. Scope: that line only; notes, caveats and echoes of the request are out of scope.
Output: 3:02
